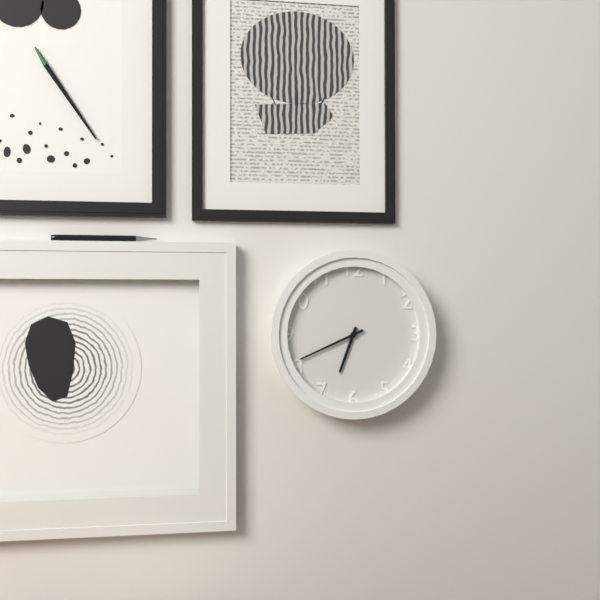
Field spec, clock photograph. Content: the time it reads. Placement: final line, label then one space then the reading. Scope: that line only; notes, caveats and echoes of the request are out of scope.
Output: 6:41
